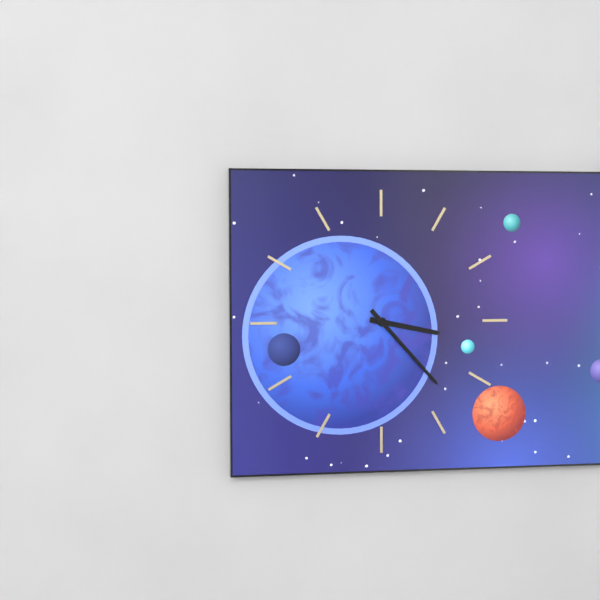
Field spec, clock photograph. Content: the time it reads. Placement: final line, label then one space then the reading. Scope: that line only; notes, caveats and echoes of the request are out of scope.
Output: 3:23
